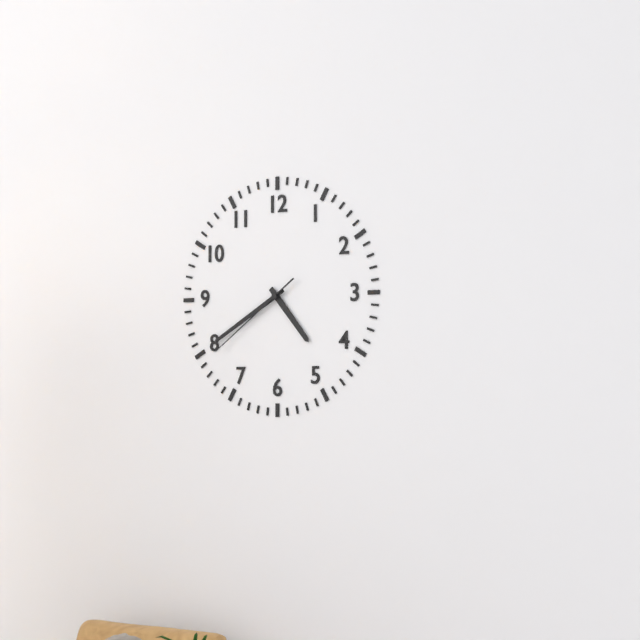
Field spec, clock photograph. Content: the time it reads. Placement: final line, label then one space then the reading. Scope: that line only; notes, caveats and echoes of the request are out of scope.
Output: 4:40:39
